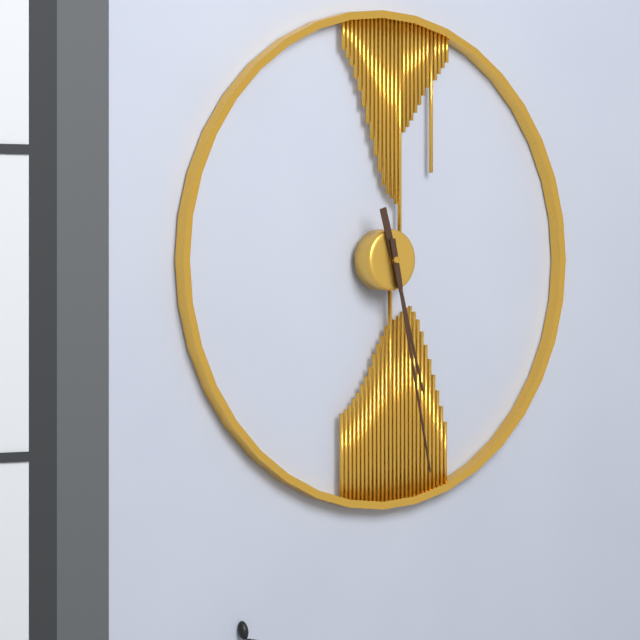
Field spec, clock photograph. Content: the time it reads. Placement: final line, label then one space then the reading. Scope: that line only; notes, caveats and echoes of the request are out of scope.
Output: 5:28
